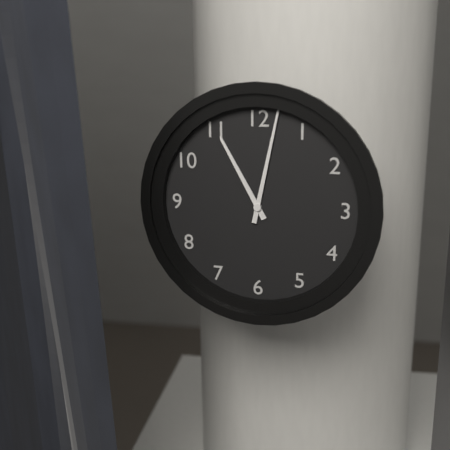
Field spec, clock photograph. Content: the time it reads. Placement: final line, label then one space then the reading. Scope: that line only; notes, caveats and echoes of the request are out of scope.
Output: 11:02
